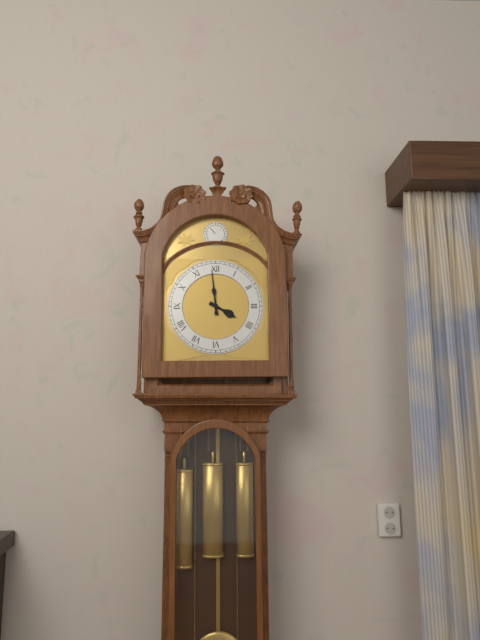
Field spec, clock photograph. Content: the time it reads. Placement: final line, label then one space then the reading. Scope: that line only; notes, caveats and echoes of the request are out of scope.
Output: 3:59
